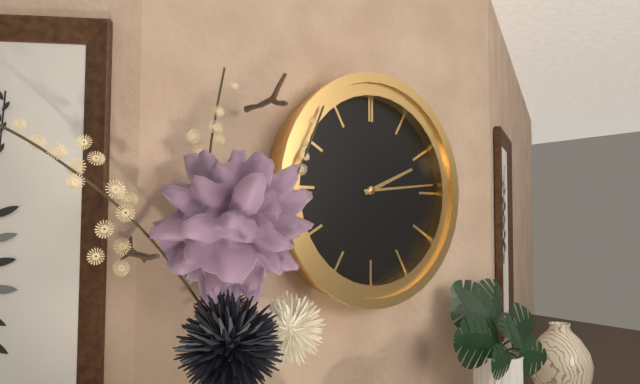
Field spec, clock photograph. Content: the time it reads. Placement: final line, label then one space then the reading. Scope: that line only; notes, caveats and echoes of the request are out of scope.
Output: 2:14
